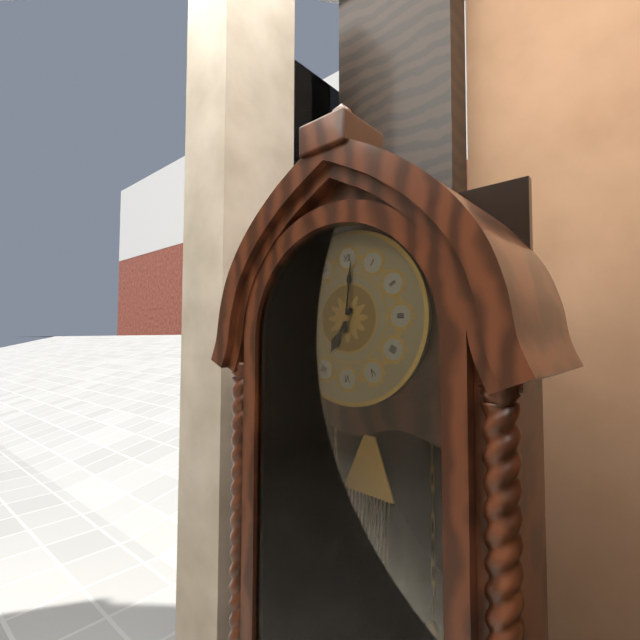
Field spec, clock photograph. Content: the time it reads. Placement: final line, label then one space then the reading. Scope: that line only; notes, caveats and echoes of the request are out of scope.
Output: 7:01
